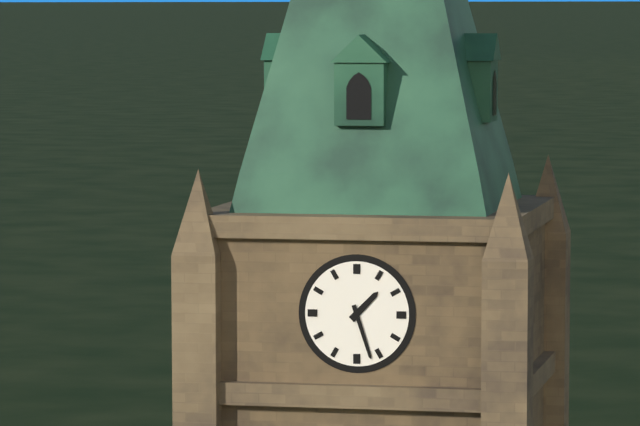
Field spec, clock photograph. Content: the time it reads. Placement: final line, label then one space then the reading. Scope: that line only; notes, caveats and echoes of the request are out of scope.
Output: 1:27
